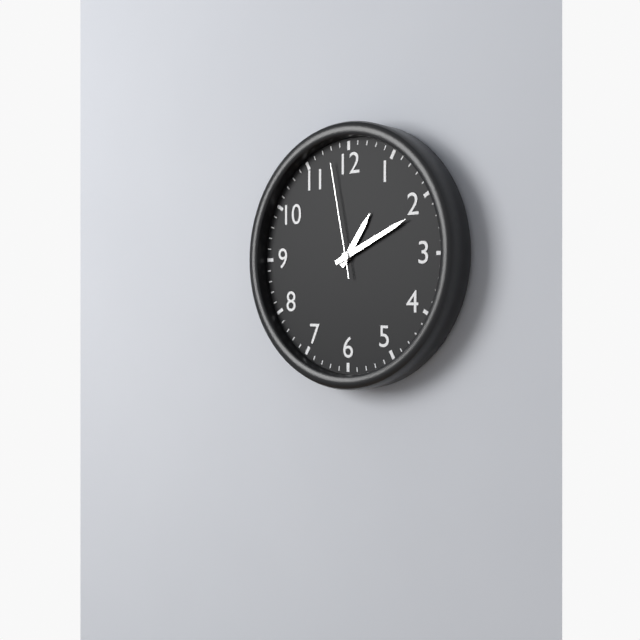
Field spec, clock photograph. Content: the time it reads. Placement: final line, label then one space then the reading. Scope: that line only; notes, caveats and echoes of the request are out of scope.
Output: 1:11:58
